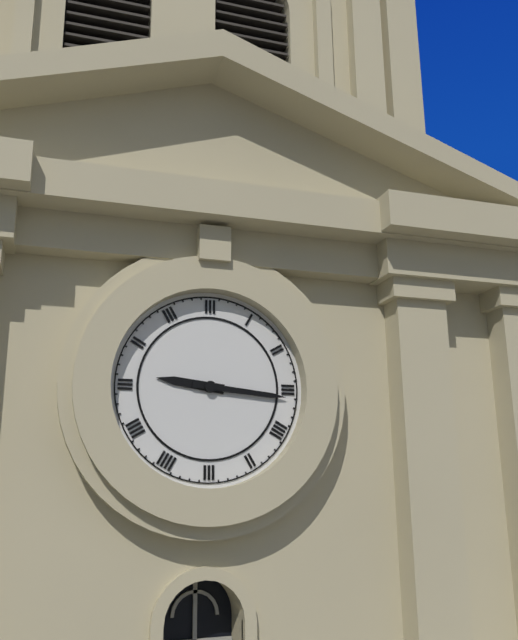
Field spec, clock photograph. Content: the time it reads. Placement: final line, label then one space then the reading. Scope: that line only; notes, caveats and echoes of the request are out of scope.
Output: 9:16
